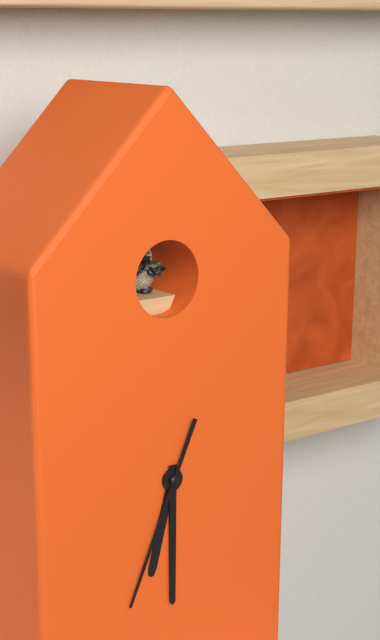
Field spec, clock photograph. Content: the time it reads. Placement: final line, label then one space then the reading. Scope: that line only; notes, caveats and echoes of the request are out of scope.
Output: 6:30:34
